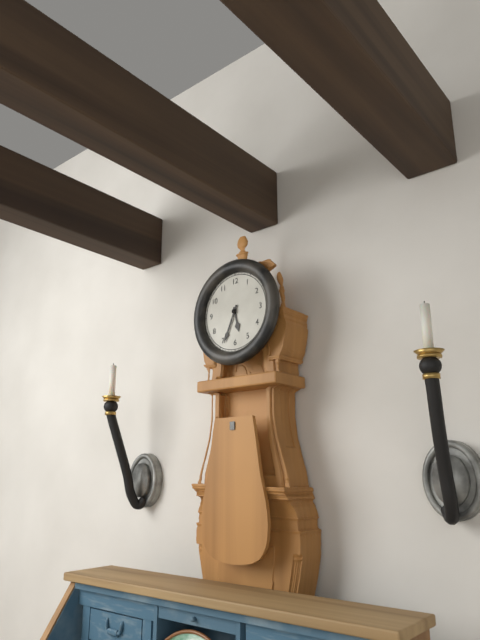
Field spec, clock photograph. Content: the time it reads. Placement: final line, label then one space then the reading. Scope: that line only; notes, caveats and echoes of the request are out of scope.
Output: 5:34
